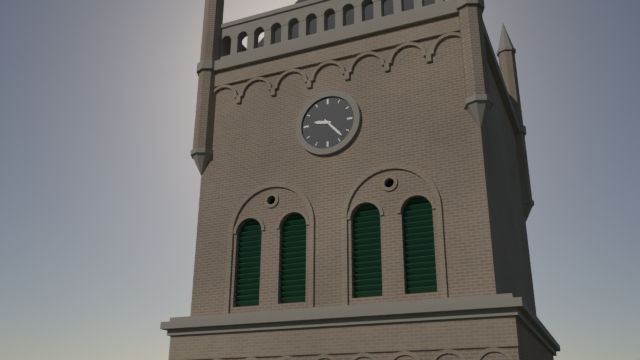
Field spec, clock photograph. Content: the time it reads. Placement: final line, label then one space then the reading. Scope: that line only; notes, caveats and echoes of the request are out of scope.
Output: 9:23
